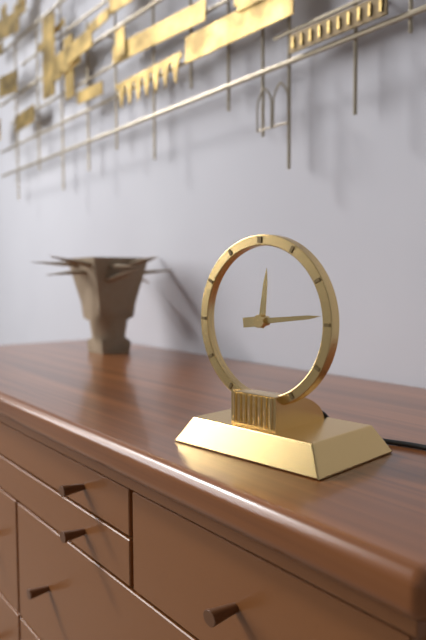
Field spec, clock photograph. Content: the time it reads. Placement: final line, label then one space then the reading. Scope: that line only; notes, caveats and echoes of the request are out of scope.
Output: 12:14
